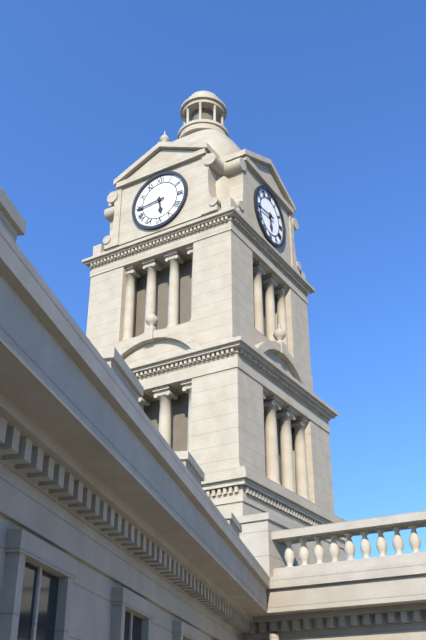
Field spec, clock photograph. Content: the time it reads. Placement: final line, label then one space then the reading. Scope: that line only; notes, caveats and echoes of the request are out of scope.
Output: 5:44
